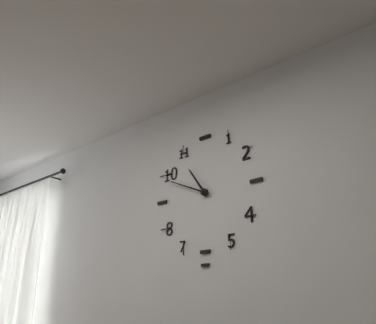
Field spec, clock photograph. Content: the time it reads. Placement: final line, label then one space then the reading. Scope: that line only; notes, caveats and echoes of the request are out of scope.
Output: 10:49
